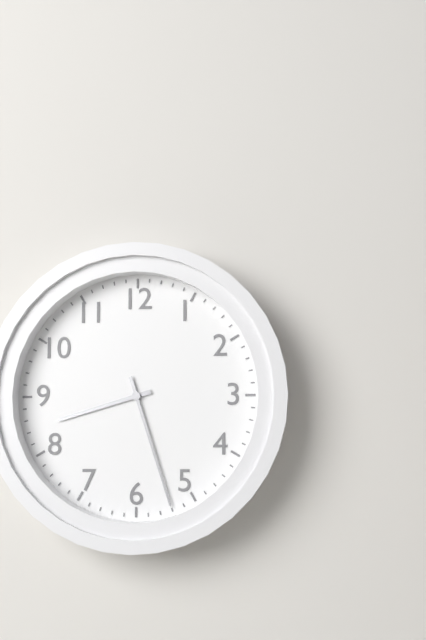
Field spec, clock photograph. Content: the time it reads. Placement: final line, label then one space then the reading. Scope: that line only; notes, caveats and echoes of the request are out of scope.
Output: 8:27
